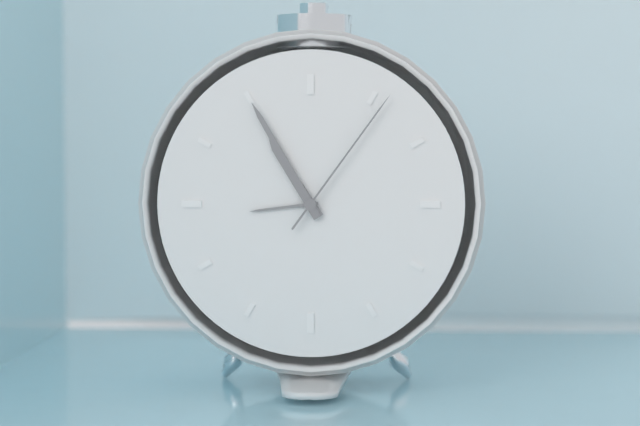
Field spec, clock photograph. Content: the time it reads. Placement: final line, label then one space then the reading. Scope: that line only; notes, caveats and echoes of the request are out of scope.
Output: 10:55:06
